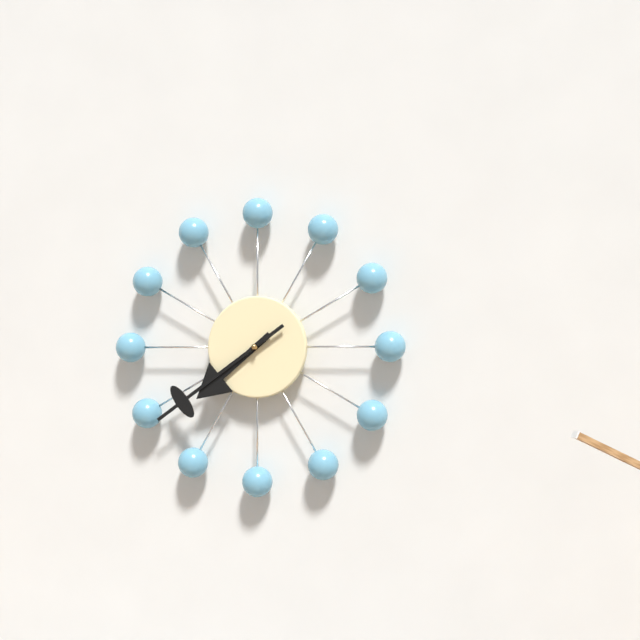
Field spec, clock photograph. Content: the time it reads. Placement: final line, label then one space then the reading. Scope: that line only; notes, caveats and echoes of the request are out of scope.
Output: 7:39
